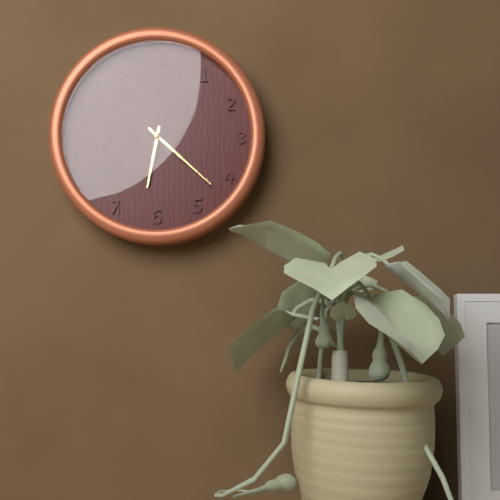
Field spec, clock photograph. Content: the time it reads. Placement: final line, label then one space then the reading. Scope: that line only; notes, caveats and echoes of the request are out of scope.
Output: 6:22
